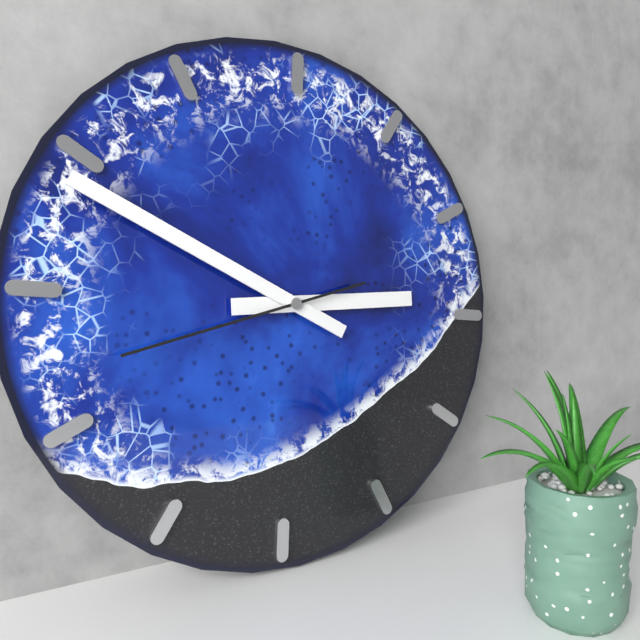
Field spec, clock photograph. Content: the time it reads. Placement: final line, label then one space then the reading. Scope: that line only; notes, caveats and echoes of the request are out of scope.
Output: 2:49:42
